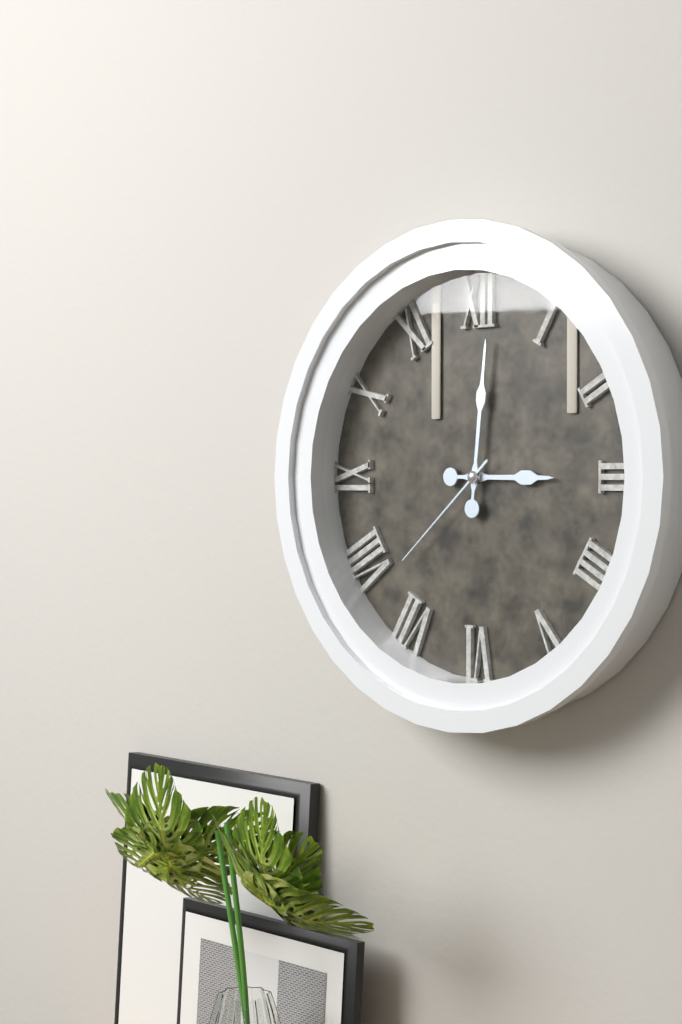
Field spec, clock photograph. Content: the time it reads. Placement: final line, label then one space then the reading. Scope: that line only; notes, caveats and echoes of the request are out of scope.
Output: 3:01:38
